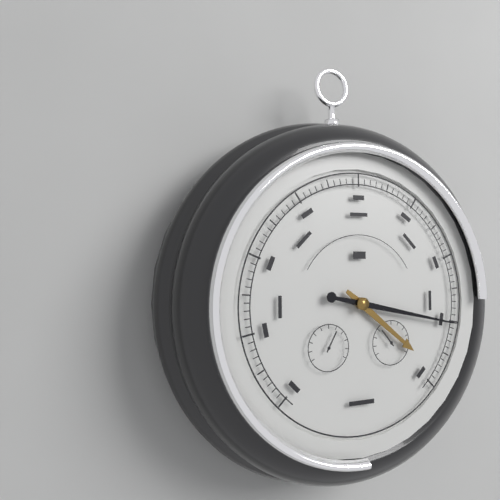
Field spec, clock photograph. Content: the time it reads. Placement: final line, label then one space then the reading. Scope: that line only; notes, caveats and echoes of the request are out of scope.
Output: 4:17
